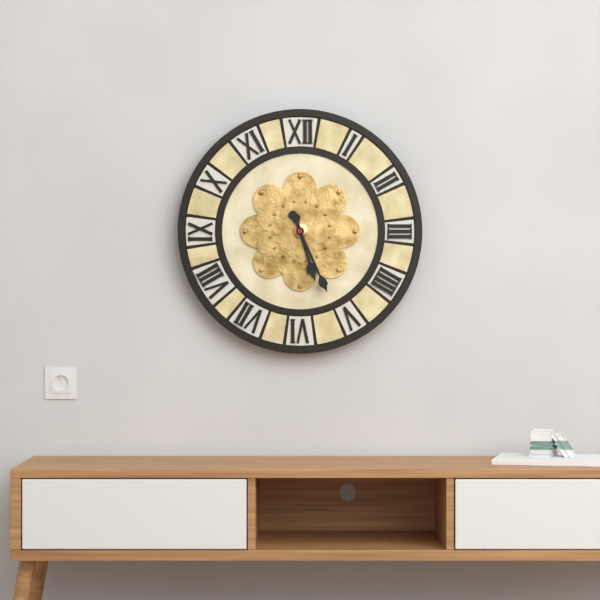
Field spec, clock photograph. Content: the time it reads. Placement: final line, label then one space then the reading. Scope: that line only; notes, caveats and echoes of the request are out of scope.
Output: 5:26
